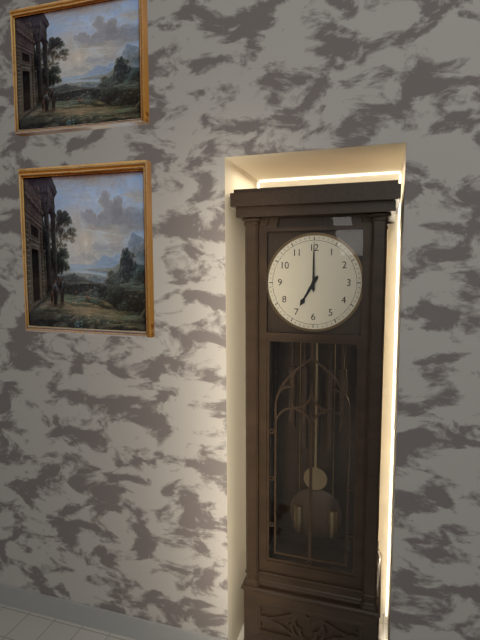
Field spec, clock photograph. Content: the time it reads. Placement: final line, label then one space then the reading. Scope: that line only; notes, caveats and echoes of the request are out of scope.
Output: 7:00
